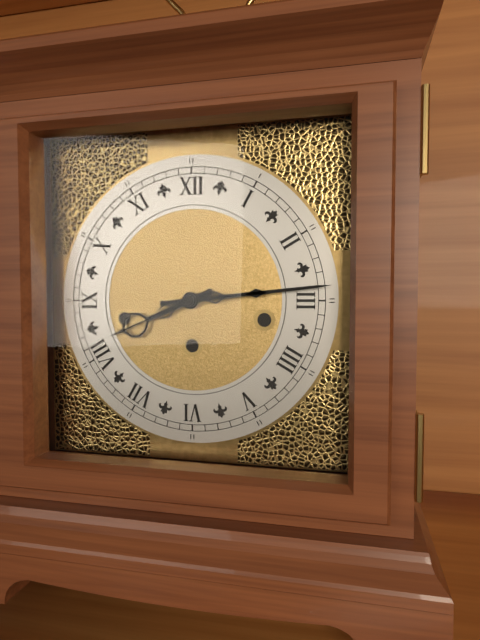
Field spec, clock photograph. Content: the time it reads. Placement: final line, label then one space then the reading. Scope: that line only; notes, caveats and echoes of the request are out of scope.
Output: 8:14
